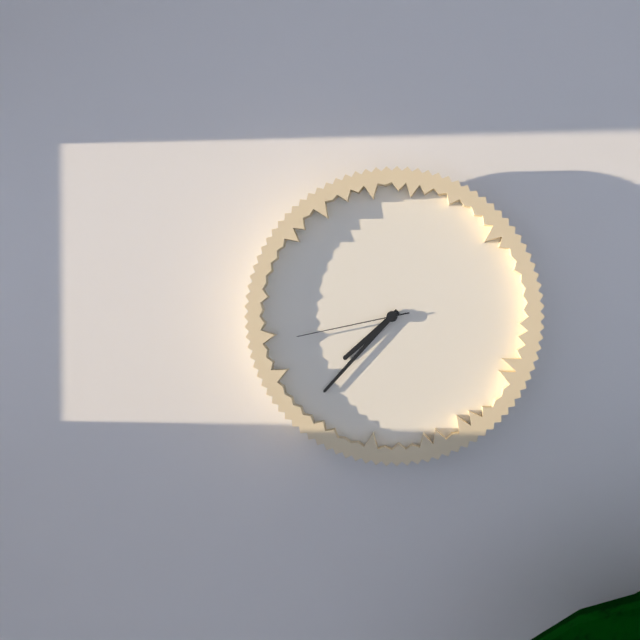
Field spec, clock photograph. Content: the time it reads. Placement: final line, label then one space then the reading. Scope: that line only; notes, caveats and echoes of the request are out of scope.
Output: 7:37:43
